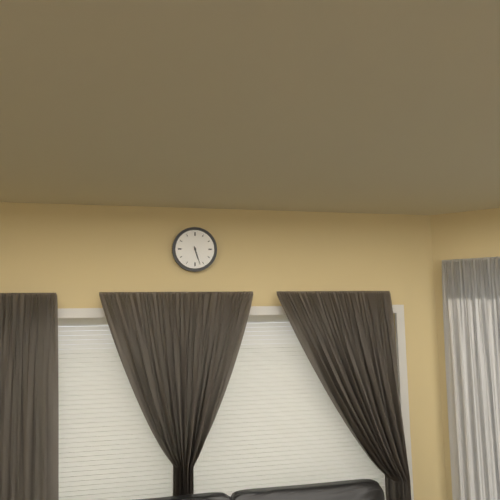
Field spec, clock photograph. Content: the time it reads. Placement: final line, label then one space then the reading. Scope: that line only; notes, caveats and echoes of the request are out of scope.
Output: 5:27
